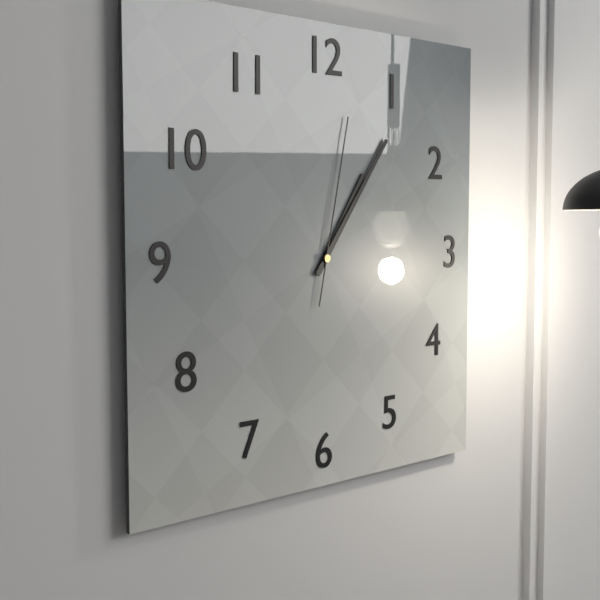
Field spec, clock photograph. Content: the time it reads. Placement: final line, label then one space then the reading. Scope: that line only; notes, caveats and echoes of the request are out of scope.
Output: 1:06:02
